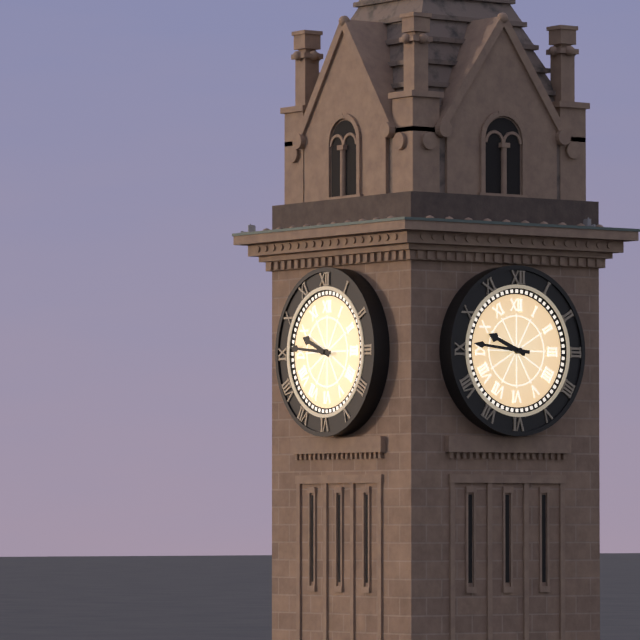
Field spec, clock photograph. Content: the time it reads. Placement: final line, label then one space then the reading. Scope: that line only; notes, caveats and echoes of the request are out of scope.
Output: 9:46
